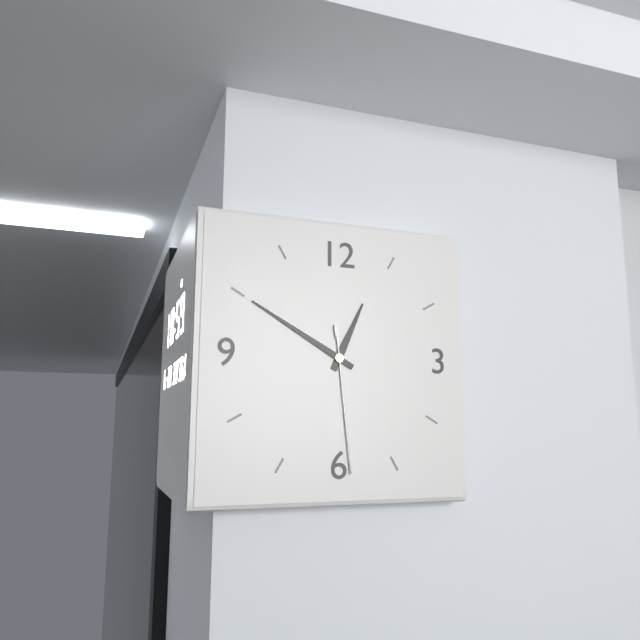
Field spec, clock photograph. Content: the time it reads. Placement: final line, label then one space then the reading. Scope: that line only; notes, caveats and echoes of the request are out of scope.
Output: 12:50:29
